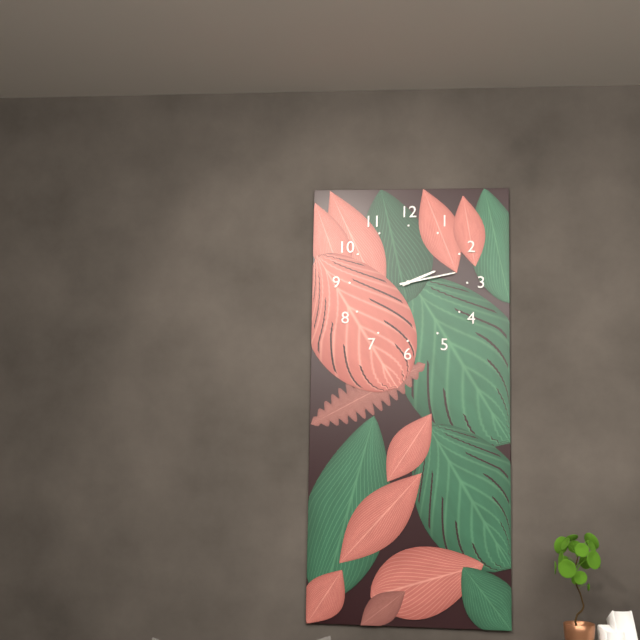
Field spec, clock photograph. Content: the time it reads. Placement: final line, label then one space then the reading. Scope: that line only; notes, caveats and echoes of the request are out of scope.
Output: 2:13
